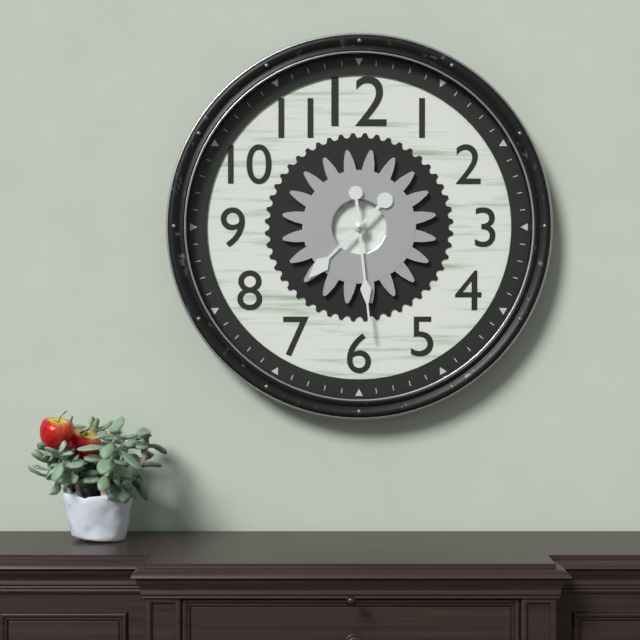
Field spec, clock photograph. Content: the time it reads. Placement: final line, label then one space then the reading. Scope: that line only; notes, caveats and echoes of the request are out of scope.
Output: 7:29
